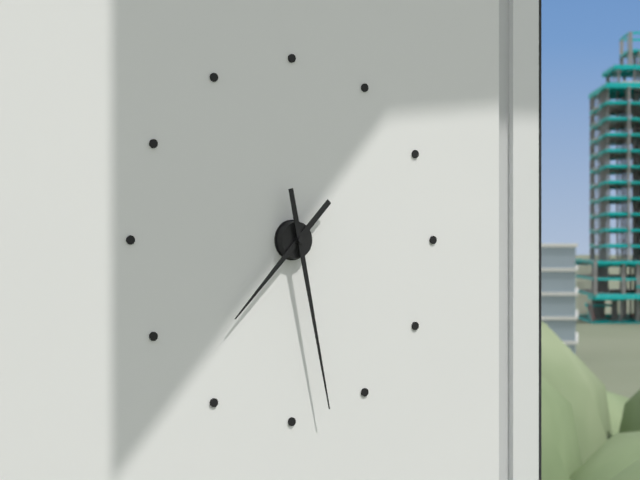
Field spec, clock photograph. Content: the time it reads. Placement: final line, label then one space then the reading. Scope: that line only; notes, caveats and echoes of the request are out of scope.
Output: 7:28
